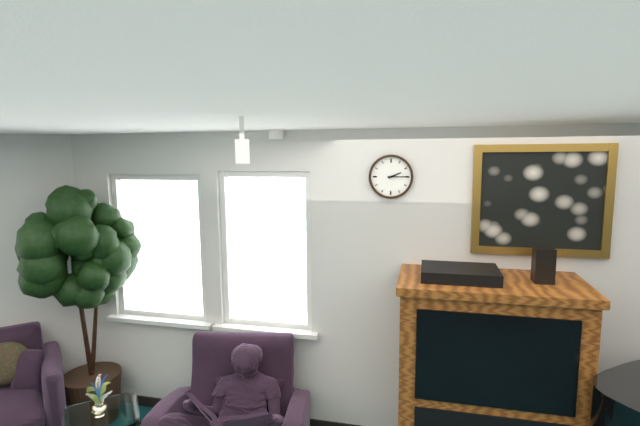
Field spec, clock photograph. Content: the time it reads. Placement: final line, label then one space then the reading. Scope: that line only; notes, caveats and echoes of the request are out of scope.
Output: 2:15
